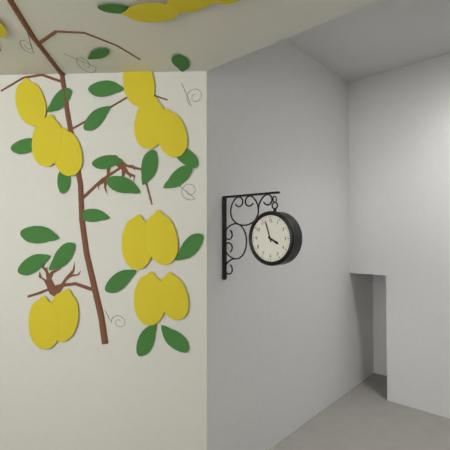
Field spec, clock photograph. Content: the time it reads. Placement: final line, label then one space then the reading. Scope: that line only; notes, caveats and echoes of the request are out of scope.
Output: 3:57
